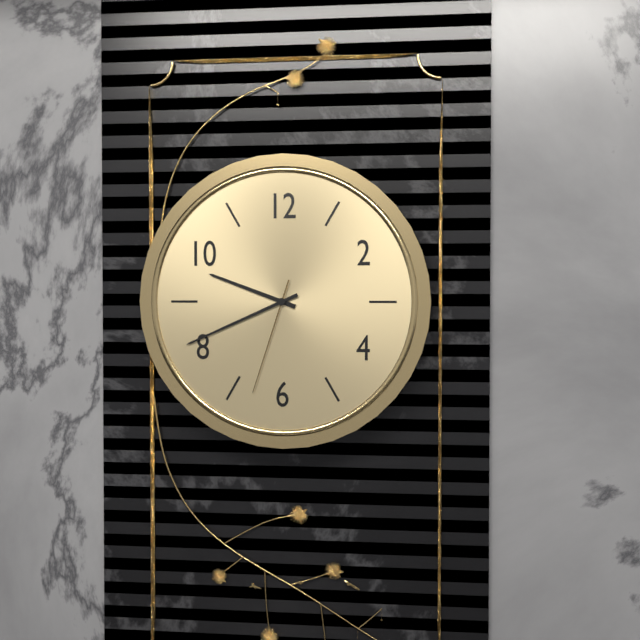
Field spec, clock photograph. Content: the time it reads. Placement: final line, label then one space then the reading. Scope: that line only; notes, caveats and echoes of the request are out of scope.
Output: 9:41:33
